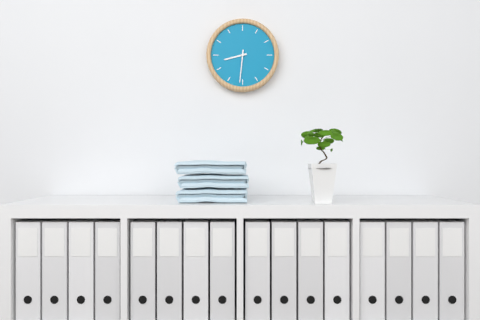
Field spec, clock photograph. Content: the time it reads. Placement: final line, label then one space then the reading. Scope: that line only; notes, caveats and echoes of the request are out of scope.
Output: 8:31
